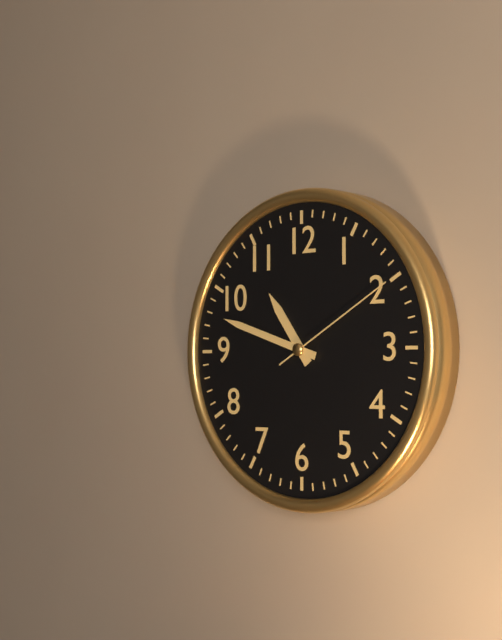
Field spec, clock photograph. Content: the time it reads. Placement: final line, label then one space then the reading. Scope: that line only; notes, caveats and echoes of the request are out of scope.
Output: 10:48:10
